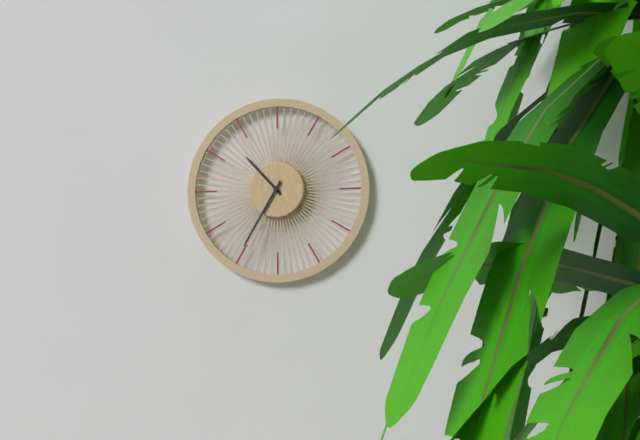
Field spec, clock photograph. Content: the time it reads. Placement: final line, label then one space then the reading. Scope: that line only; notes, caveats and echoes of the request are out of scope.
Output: 10:35
